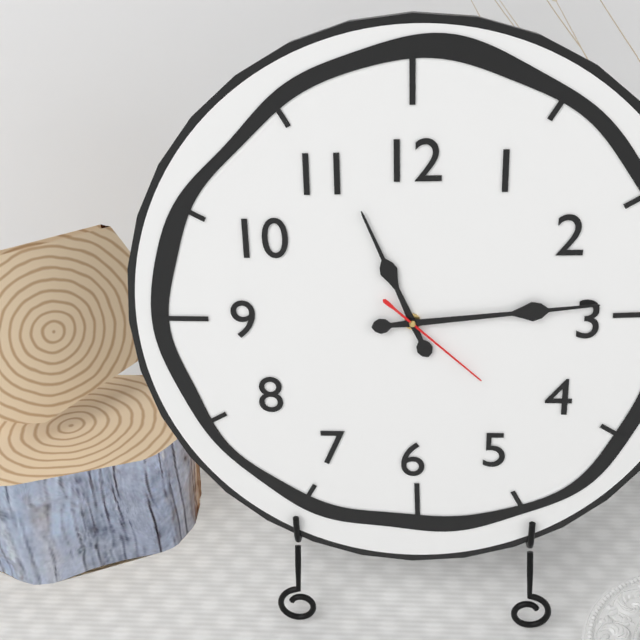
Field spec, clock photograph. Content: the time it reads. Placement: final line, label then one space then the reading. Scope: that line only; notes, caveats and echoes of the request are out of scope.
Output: 11:14:22
